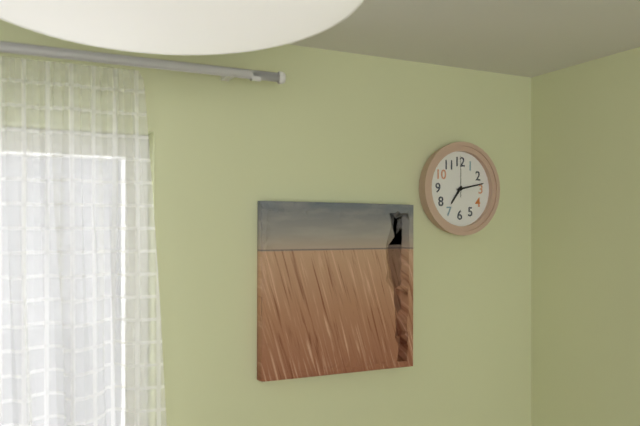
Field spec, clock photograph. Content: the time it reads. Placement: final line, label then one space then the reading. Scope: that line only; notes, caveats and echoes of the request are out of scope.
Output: 7:13
